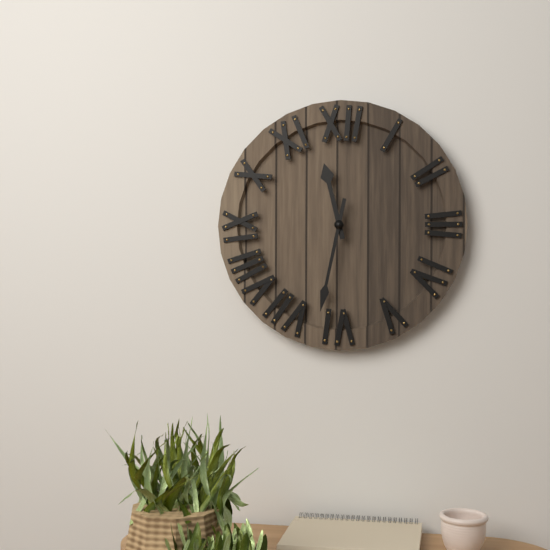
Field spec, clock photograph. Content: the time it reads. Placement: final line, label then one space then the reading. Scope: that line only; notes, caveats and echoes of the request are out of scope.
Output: 11:32
